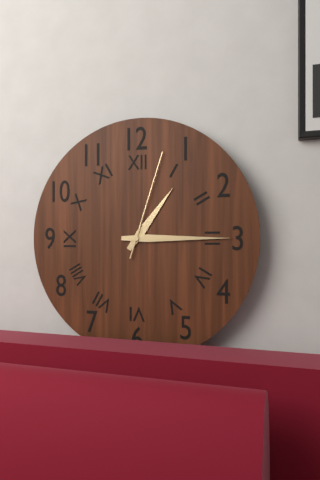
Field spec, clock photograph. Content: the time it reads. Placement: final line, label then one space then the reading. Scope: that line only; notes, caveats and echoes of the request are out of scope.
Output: 1:15:03
